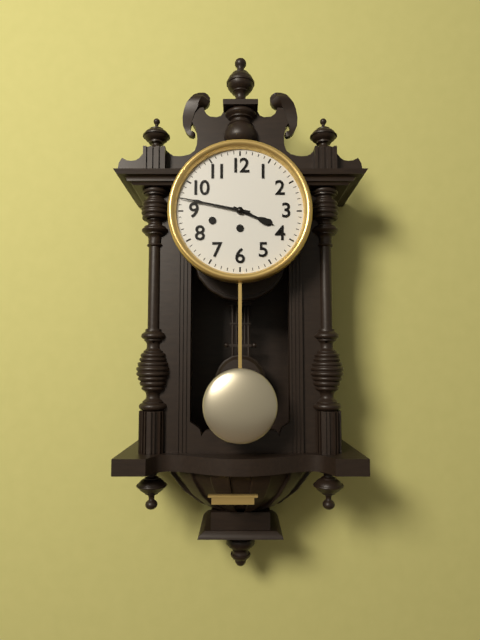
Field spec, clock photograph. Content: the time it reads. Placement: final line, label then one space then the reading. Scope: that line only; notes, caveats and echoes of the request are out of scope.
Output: 3:47
